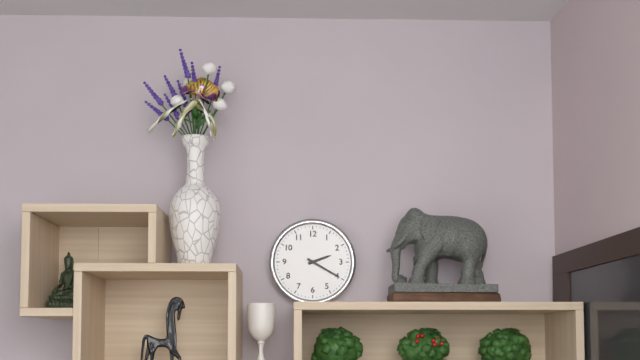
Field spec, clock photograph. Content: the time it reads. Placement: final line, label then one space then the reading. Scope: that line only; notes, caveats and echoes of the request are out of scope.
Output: 2:20
